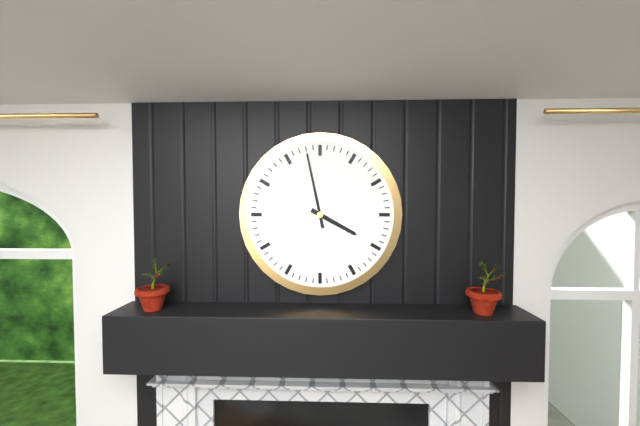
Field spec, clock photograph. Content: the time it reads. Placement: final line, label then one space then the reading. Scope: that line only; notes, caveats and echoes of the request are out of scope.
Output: 3:58
